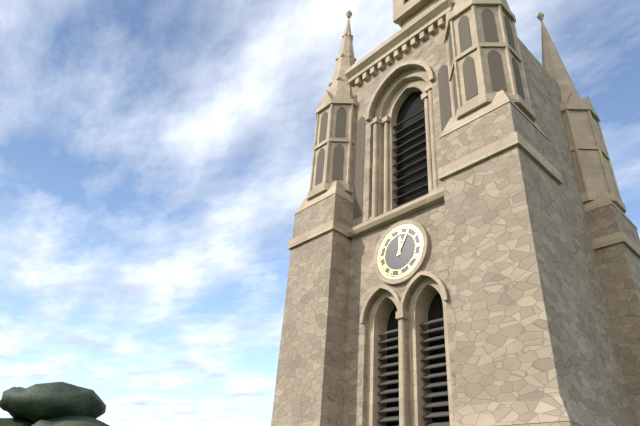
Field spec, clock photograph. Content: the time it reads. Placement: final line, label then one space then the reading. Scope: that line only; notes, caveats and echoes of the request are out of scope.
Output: 12:05
